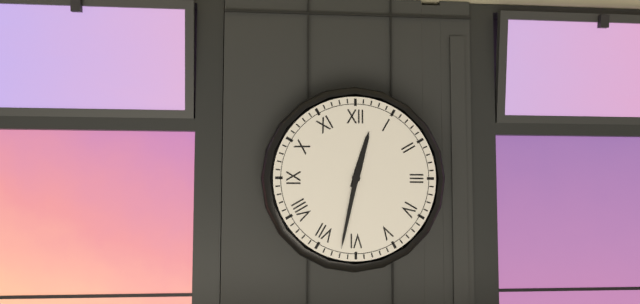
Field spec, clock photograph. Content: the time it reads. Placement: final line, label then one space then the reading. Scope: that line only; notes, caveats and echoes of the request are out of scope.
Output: 12:32
